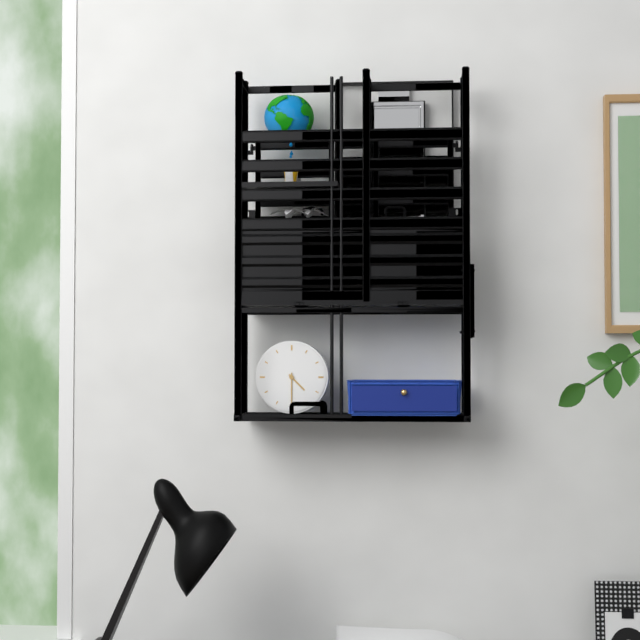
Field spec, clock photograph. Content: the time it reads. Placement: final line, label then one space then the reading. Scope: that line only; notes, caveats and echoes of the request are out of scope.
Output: 4:30
